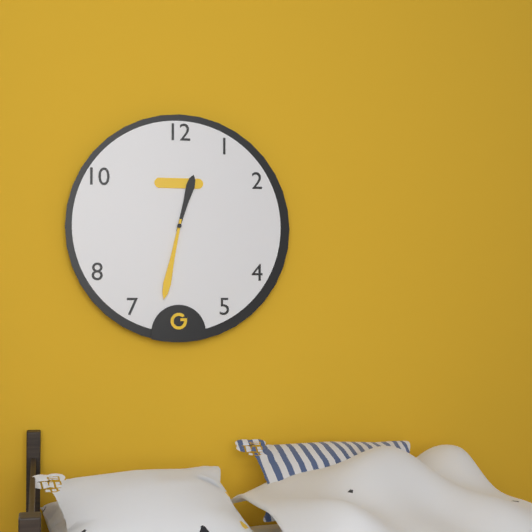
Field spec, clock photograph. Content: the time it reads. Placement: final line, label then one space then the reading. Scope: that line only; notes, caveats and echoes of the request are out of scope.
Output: 12:32
